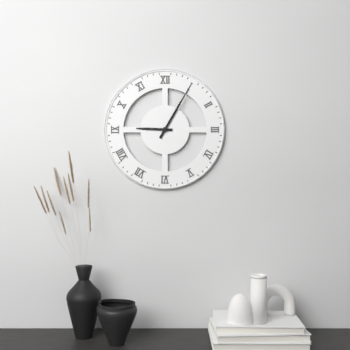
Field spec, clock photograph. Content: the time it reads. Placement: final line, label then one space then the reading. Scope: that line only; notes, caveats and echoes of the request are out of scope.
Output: 9:05
